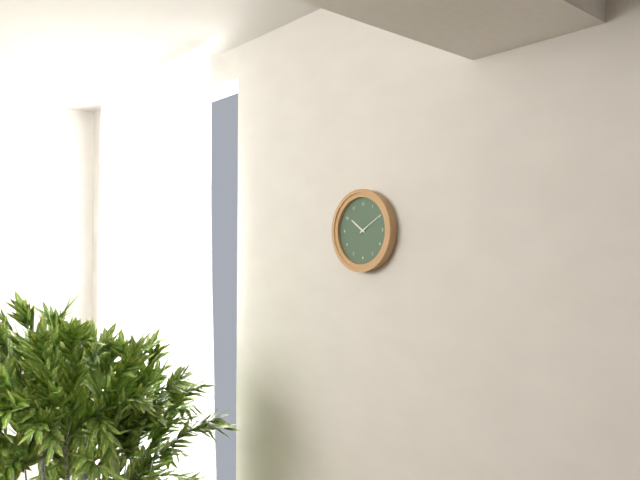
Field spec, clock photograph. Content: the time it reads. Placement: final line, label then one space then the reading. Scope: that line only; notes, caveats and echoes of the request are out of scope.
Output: 10:10
